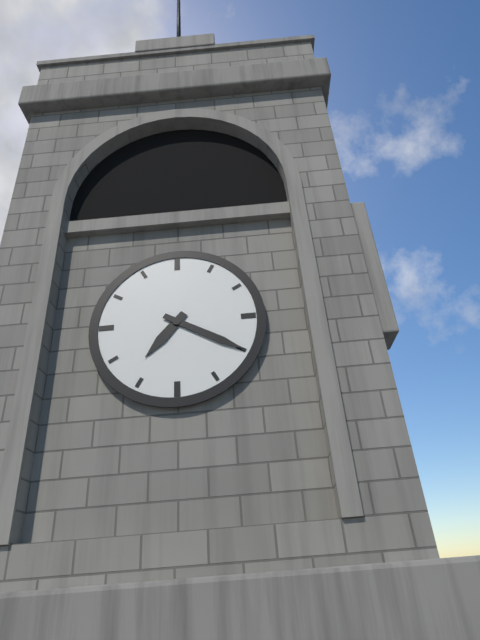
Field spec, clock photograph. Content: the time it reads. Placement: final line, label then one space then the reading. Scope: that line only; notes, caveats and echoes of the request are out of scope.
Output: 7:20
